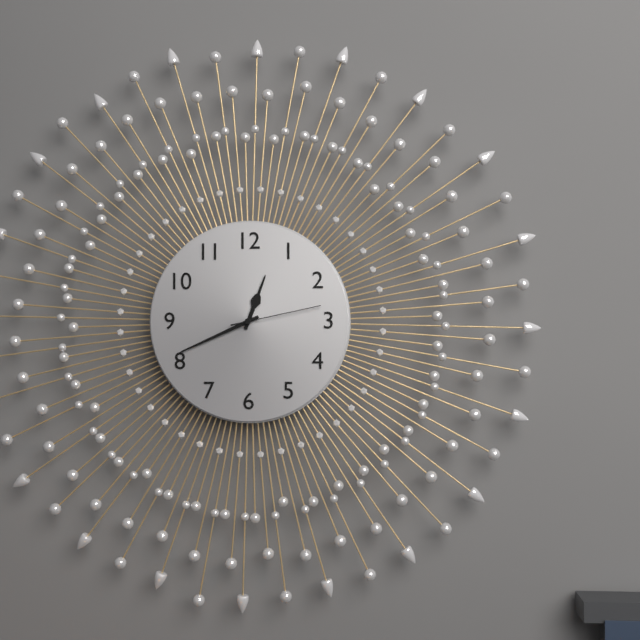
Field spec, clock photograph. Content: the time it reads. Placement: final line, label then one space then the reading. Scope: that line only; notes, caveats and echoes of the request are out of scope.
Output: 12:41:13
